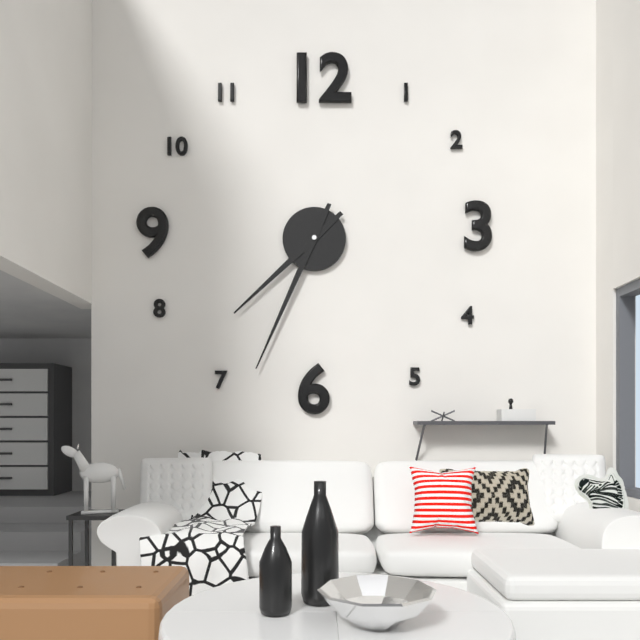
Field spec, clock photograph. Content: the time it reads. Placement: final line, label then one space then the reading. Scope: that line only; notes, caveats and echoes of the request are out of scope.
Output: 7:34
